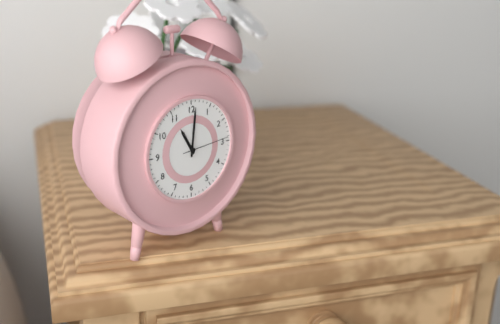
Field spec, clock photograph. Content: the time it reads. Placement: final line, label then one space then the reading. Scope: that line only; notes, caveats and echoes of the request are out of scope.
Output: 11:01:14
